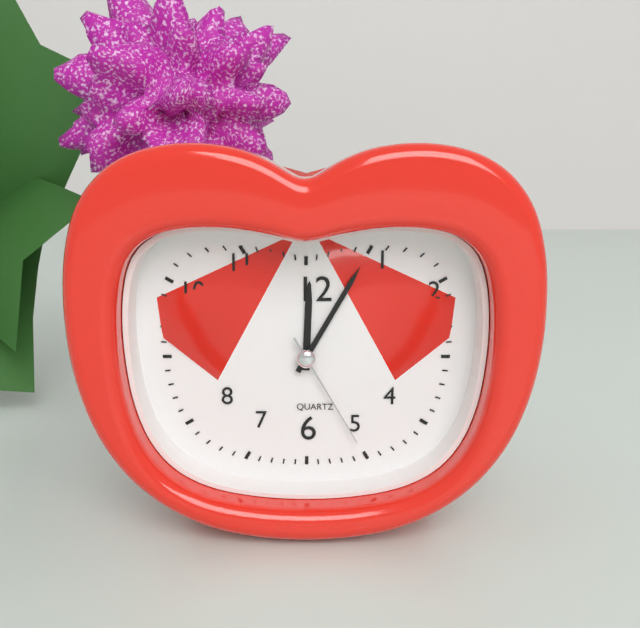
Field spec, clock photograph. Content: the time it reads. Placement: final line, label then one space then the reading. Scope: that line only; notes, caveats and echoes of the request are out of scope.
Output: 12:05:25
